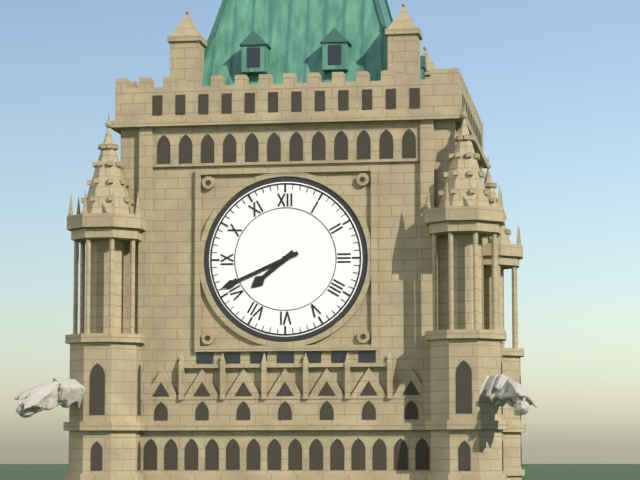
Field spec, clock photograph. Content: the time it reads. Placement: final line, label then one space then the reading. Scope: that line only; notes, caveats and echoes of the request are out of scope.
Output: 7:41
